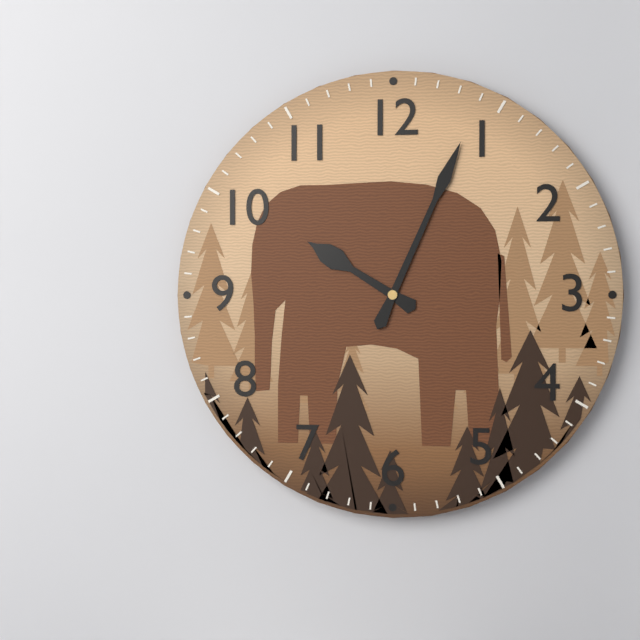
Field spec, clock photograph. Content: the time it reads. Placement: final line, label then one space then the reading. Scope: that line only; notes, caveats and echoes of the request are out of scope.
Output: 10:04
